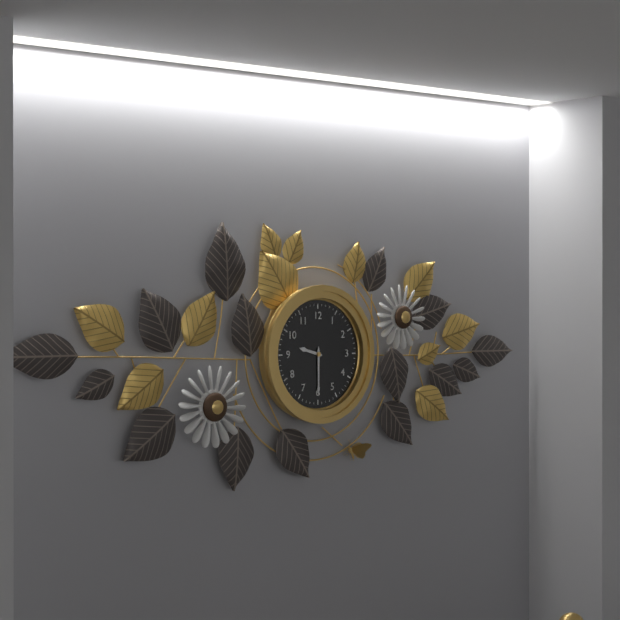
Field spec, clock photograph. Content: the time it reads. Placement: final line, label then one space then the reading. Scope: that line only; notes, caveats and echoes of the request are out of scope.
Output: 9:30
